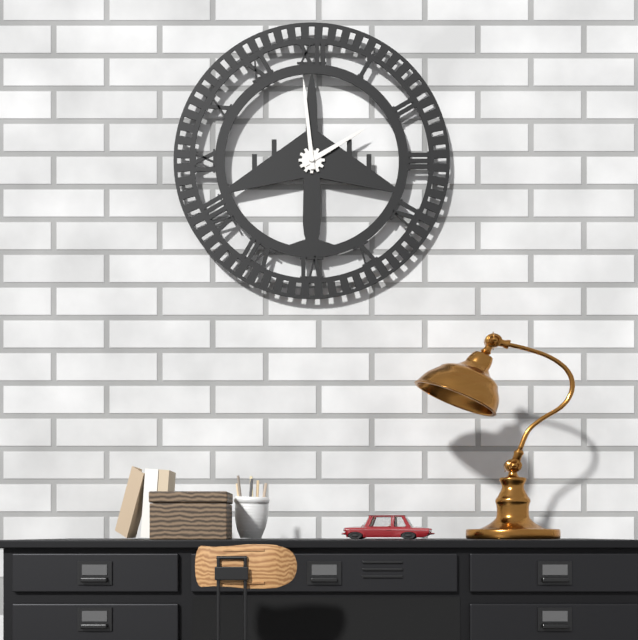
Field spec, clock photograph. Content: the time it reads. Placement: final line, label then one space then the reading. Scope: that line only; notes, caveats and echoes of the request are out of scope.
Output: 1:59
